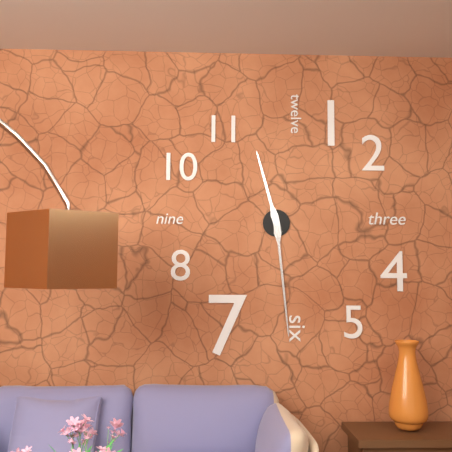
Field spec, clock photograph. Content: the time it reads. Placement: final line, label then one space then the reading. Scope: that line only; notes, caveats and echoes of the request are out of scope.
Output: 11:29
